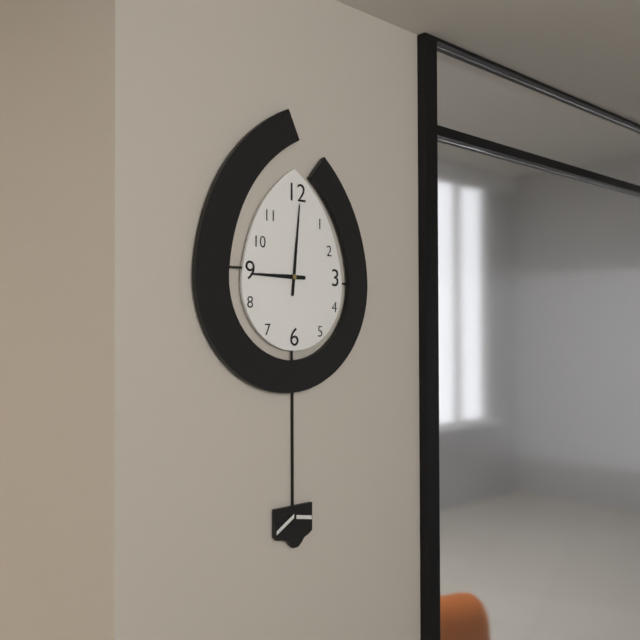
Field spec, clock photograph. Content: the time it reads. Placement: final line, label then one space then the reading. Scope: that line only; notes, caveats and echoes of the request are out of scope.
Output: 9:01
